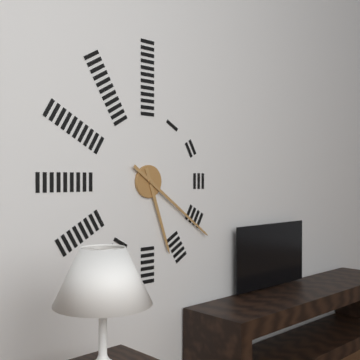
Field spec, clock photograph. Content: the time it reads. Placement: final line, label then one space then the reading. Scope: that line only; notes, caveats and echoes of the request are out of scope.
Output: 5:21
